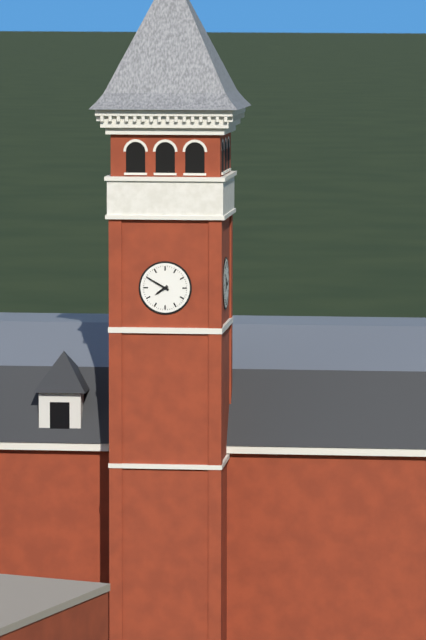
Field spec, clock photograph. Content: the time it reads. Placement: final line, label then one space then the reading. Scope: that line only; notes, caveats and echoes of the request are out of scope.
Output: 7:50
